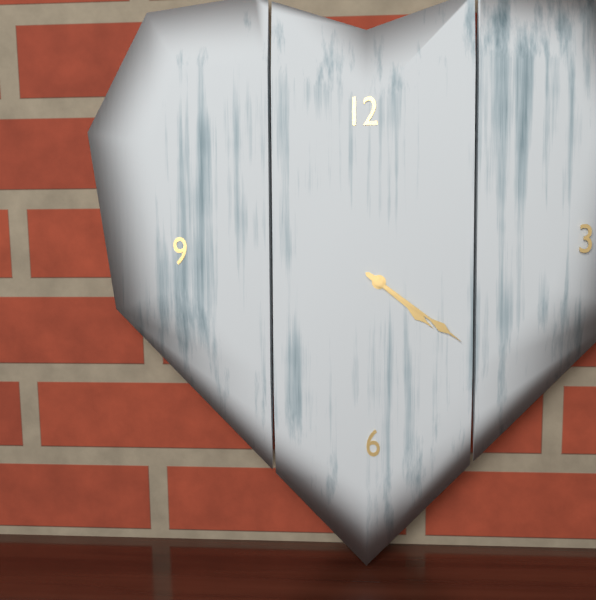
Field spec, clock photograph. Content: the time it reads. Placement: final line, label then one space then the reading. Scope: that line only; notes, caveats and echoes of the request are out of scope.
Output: 4:21
